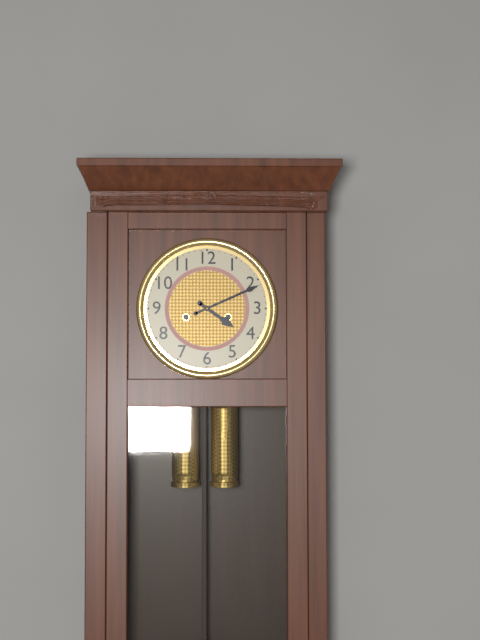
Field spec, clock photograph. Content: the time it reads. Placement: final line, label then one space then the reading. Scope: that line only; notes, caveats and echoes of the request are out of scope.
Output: 4:11
